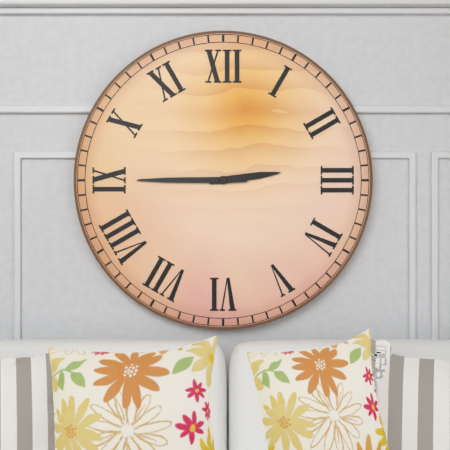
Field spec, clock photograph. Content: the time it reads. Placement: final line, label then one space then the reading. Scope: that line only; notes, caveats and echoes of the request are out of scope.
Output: 2:45
